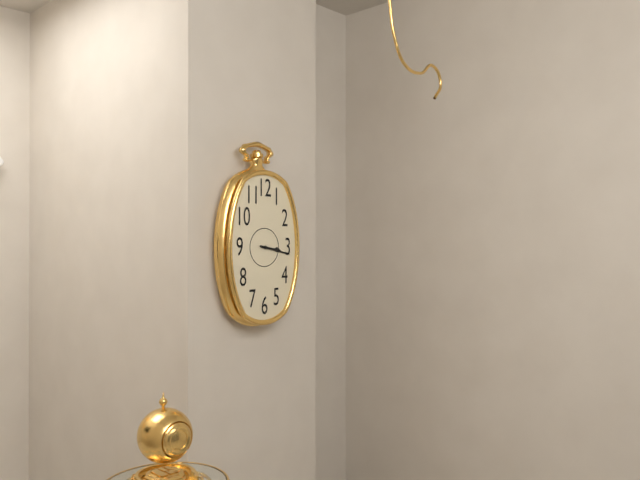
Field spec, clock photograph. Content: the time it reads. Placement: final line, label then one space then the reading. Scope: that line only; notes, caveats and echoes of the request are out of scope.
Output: 3:17
